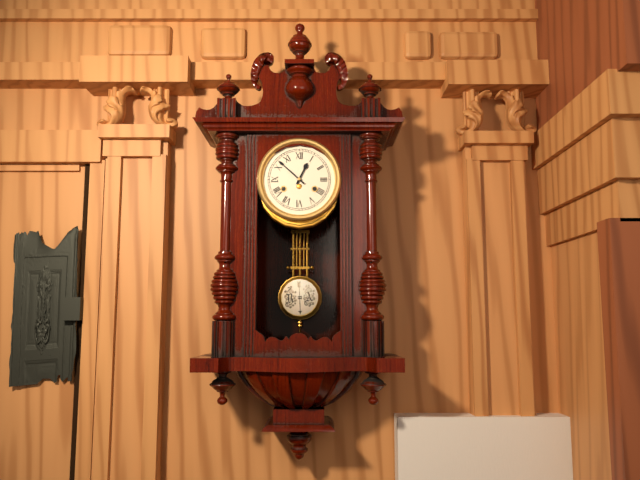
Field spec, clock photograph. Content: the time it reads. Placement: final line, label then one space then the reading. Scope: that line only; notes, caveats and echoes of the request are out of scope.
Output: 12:52
